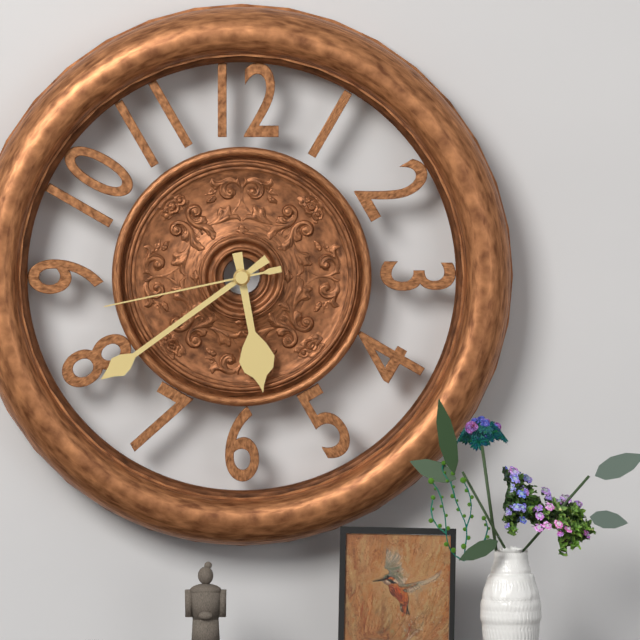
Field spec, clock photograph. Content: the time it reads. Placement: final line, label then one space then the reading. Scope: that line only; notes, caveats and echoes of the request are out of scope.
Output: 5:39:43
